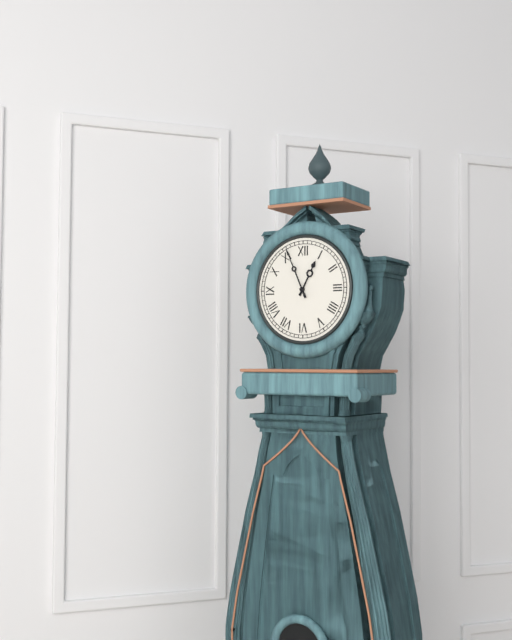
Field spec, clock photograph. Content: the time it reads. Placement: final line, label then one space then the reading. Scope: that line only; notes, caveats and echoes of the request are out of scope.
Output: 12:56
